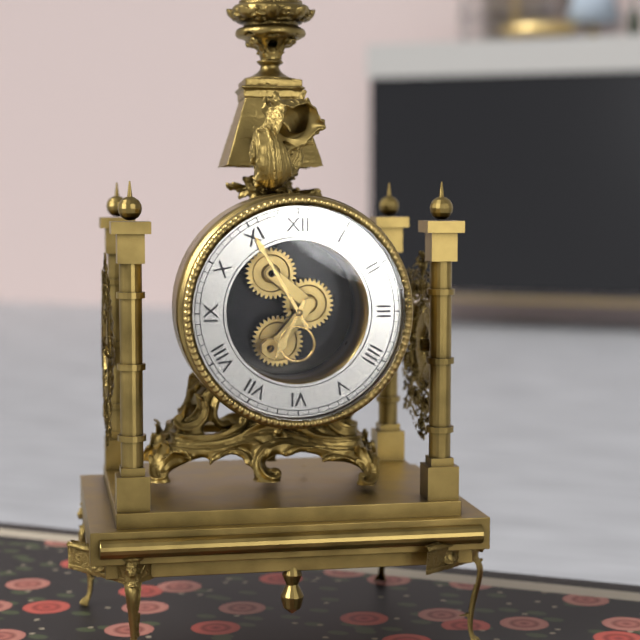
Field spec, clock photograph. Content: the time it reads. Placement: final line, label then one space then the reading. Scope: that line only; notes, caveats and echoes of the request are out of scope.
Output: 6:55
